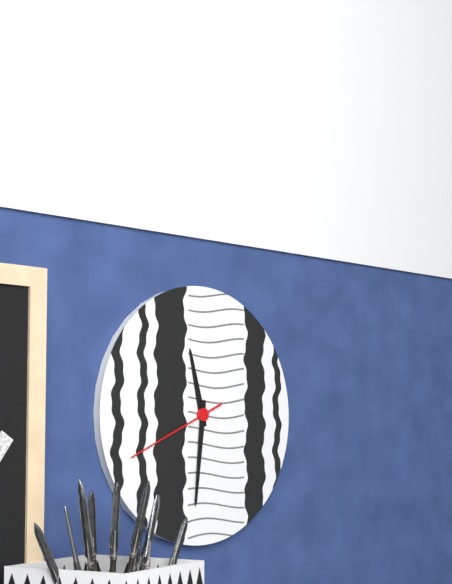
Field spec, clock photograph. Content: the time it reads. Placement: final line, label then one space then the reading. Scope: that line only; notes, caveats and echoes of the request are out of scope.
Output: 11:31:41
